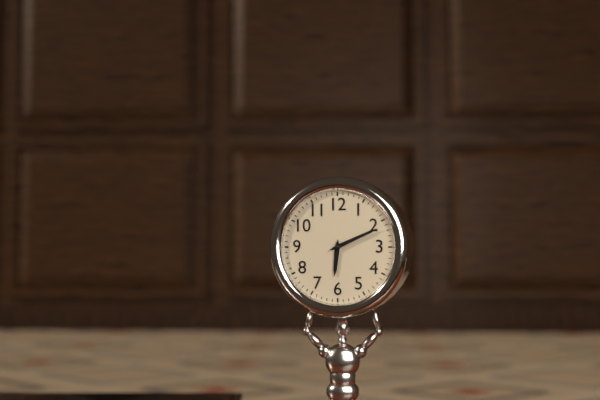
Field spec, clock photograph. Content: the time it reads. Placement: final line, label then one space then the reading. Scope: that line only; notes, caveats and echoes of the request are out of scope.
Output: 6:11
